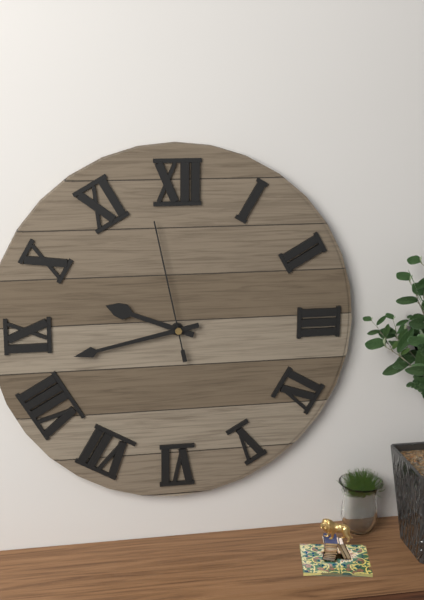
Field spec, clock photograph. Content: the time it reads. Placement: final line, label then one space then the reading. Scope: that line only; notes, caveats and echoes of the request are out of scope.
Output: 9:43:58
